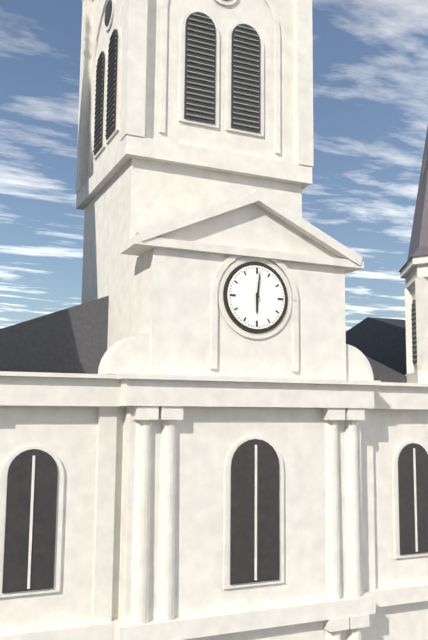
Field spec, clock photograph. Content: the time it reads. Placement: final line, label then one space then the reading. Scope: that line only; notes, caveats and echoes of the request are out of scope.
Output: 6:01
